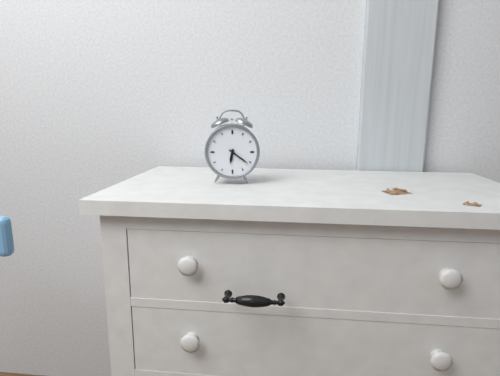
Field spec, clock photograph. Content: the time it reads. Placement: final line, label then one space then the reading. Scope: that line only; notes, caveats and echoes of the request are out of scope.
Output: 6:21
